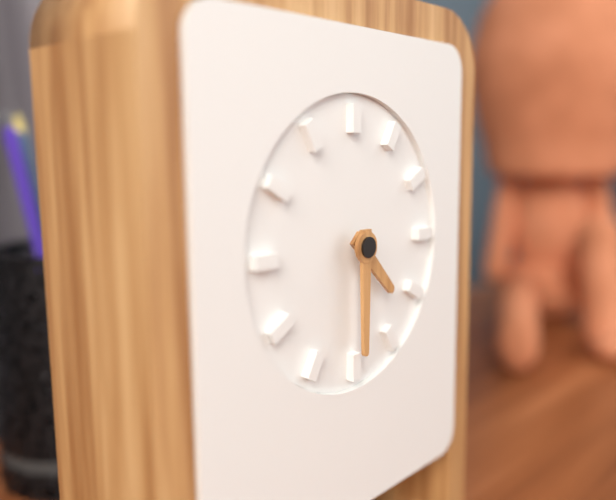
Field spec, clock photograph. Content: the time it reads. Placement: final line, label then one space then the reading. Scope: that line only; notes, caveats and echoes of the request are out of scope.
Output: 4:30
